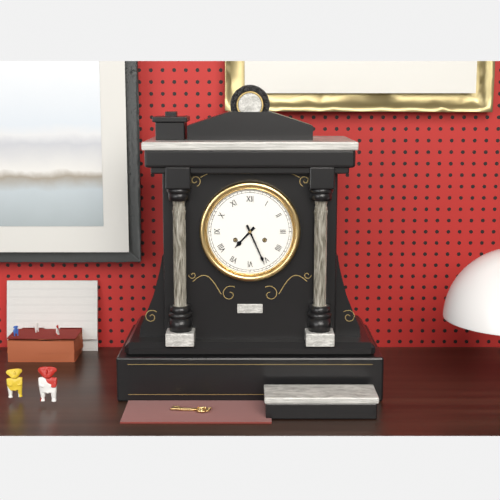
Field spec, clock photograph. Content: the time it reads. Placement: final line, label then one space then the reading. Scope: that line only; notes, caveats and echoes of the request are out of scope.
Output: 7:26
